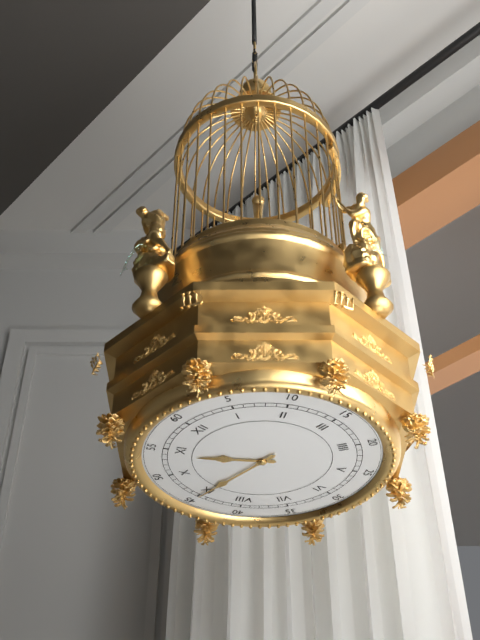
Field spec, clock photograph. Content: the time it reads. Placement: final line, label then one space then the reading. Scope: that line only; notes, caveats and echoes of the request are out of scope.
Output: 10:45
